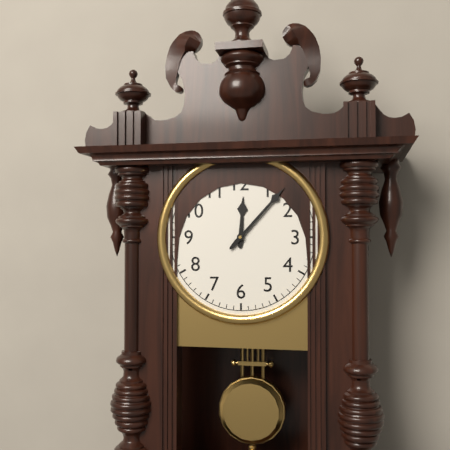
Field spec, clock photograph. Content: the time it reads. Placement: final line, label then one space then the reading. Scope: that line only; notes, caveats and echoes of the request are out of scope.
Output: 12:07
